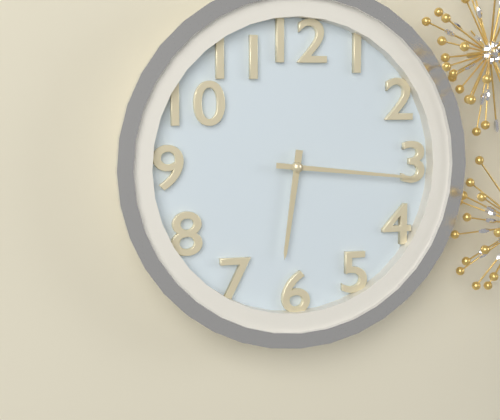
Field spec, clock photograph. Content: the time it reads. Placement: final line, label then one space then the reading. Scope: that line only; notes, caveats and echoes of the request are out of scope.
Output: 6:16
